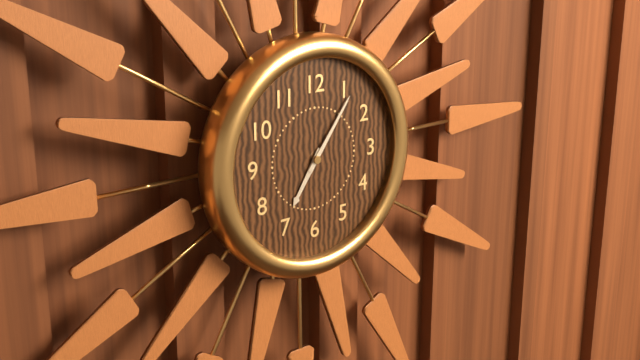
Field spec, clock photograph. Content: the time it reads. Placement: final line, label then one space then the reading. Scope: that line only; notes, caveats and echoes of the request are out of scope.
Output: 7:06
